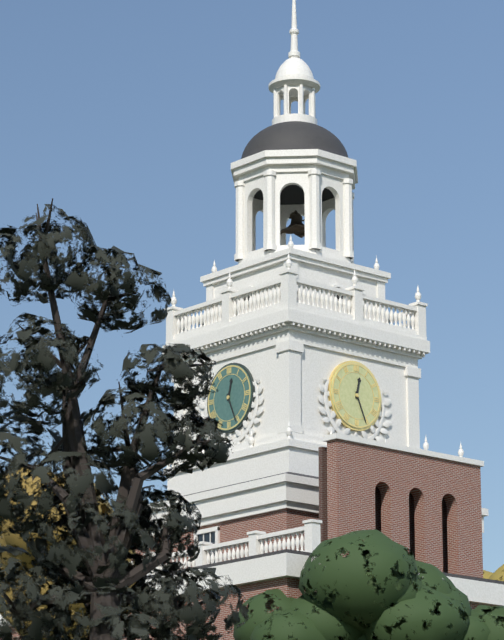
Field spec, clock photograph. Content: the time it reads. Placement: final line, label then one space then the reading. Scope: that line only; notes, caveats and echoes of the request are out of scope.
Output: 12:26
